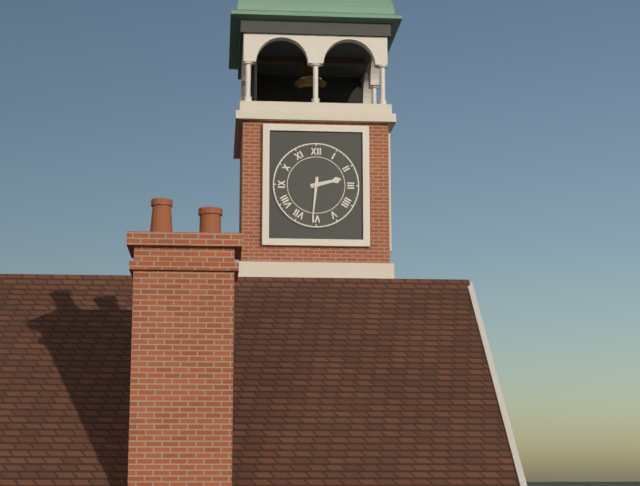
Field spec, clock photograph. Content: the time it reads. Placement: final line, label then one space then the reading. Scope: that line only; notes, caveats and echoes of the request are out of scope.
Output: 2:31
